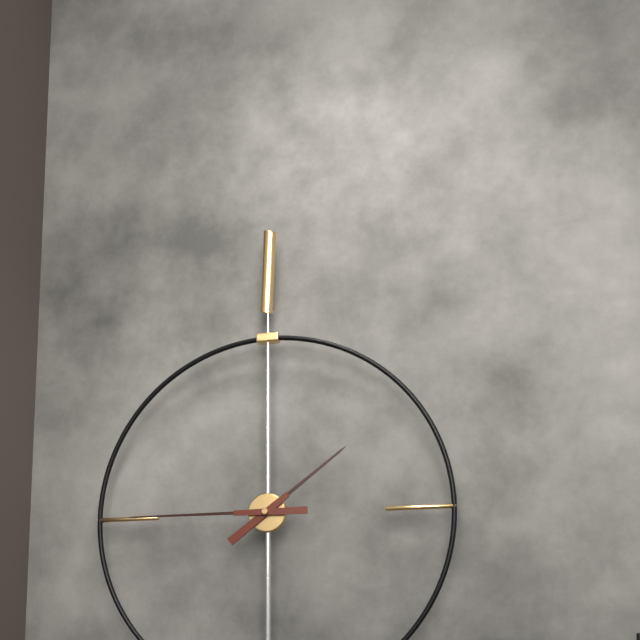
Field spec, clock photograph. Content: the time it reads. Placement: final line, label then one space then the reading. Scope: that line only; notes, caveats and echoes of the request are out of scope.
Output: 1:45
